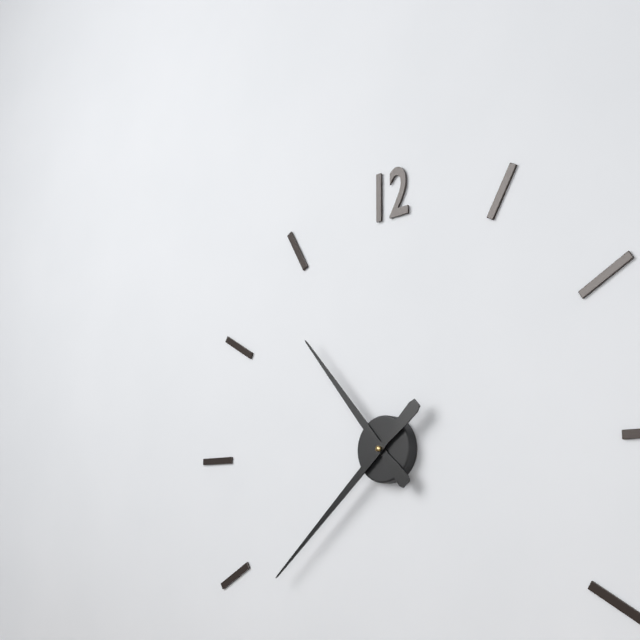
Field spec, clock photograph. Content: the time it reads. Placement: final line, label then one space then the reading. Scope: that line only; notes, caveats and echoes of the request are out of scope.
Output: 10:38
